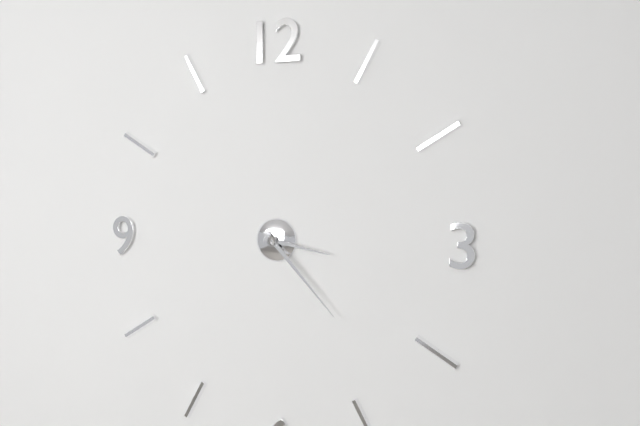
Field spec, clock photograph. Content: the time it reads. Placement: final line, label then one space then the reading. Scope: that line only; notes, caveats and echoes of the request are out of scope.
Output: 3:23
